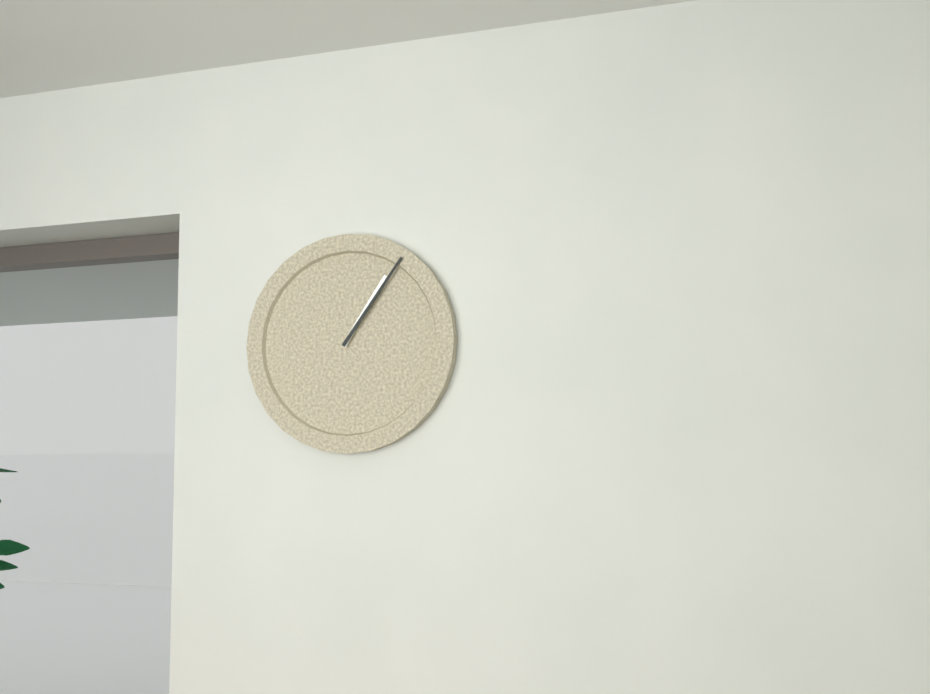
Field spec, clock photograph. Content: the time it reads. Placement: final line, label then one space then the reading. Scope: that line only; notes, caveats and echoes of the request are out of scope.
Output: 1:06
